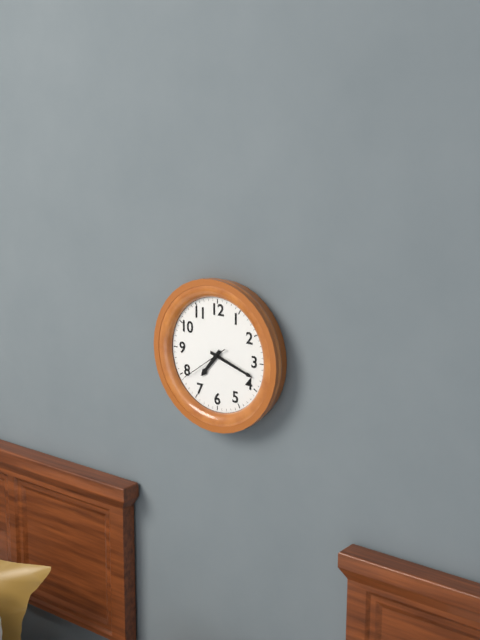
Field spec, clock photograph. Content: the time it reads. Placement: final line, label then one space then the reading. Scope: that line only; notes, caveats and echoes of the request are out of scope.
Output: 7:18
